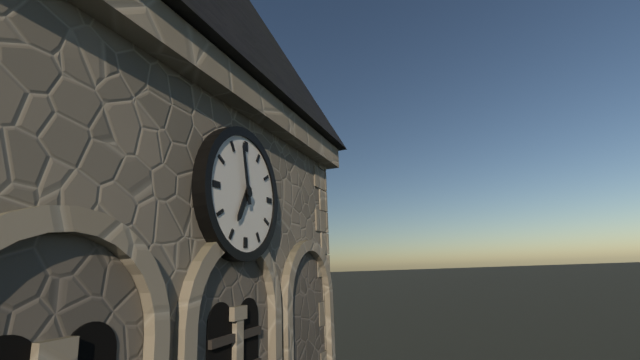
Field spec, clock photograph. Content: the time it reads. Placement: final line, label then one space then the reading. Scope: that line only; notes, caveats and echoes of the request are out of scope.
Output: 6:58
